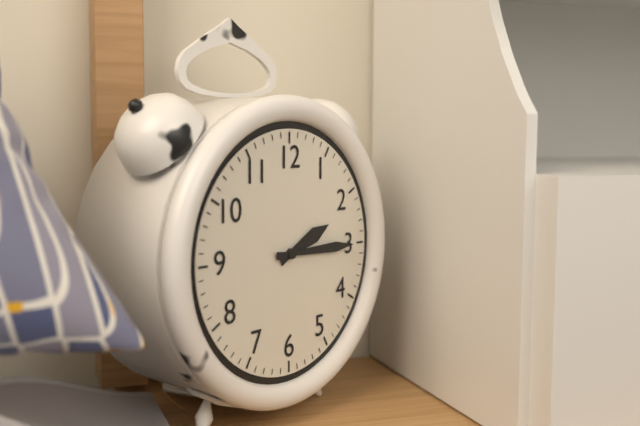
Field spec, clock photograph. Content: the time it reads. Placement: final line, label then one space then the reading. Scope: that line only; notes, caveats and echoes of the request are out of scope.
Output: 2:15
